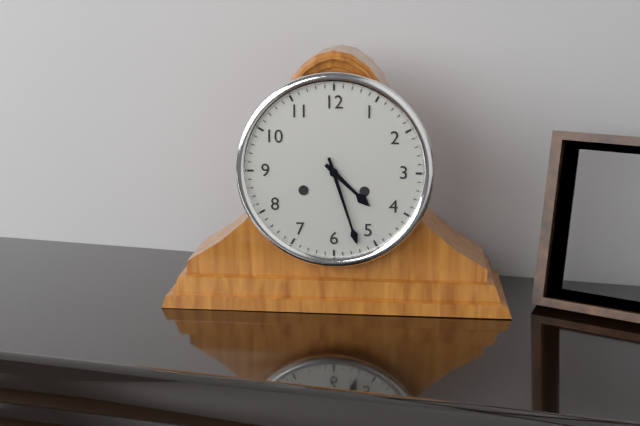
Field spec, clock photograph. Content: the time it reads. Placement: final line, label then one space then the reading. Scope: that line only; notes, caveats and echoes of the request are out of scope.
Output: 4:27
